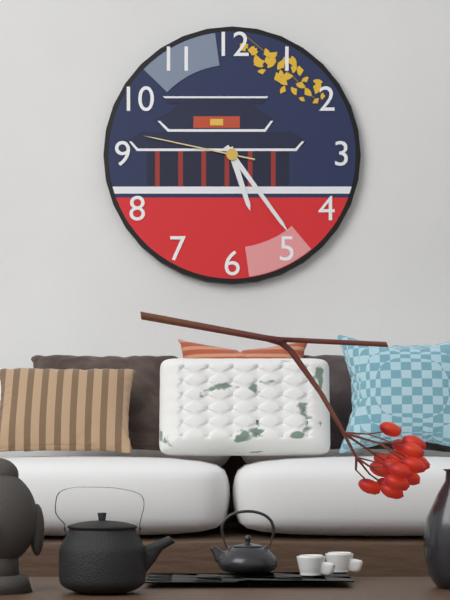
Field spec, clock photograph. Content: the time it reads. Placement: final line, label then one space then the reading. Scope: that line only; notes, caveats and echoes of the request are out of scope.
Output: 5:24:47
